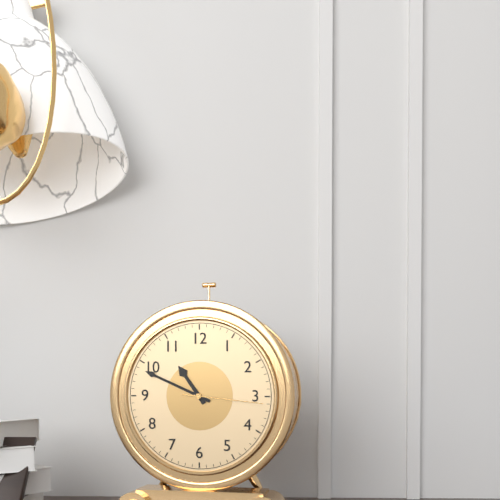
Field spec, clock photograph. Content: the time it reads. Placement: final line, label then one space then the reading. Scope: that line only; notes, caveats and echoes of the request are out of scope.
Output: 10:49:16
